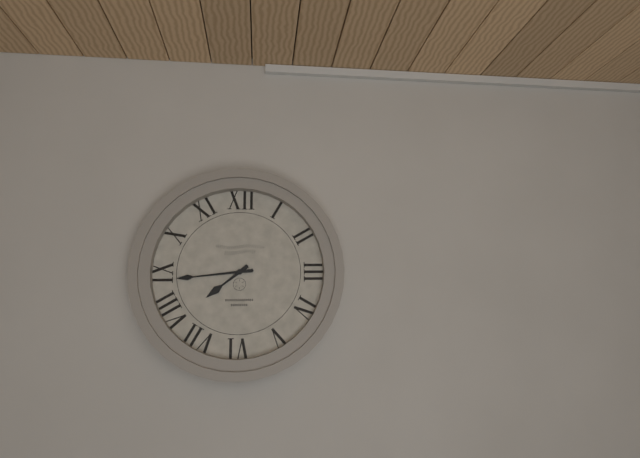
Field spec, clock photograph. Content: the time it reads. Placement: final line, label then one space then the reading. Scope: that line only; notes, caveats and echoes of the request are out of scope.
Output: 7:44
